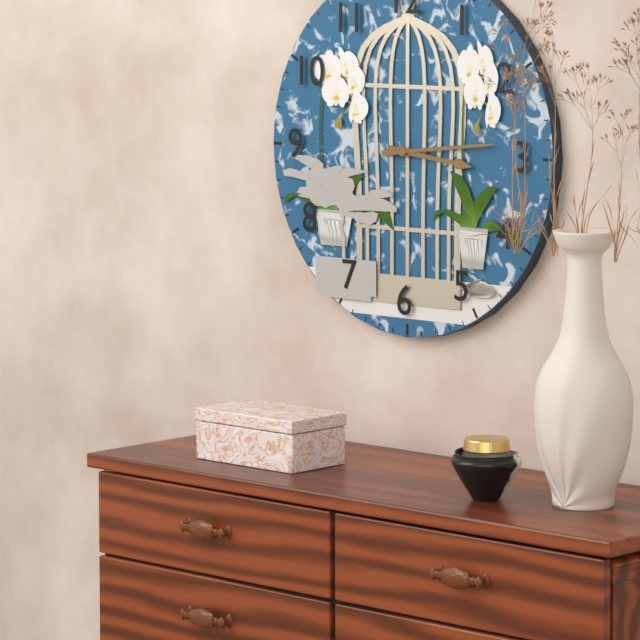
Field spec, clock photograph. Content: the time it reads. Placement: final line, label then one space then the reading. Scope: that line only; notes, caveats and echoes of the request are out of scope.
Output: 3:14
